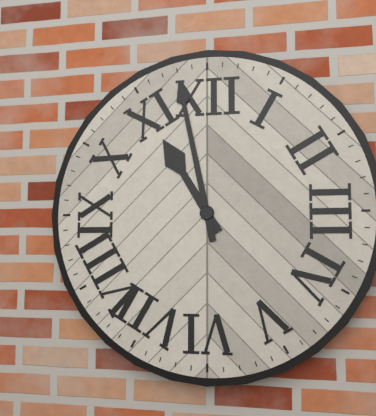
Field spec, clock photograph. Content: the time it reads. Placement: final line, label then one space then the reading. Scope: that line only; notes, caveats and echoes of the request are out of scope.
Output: 10:58
